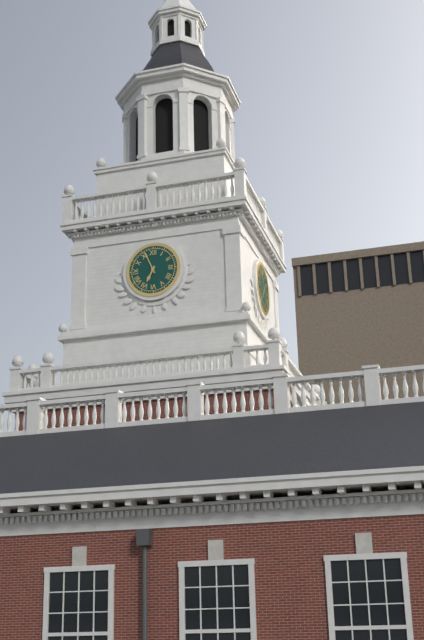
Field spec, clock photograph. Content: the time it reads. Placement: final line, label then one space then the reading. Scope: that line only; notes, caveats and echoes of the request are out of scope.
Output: 6:56
